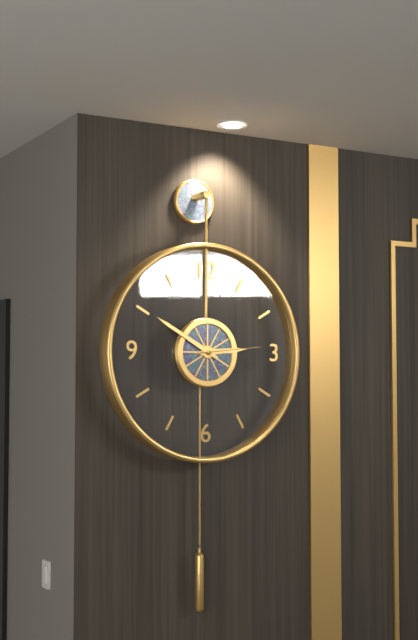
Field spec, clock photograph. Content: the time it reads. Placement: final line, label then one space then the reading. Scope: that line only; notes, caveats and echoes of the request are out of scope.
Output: 2:50:14
